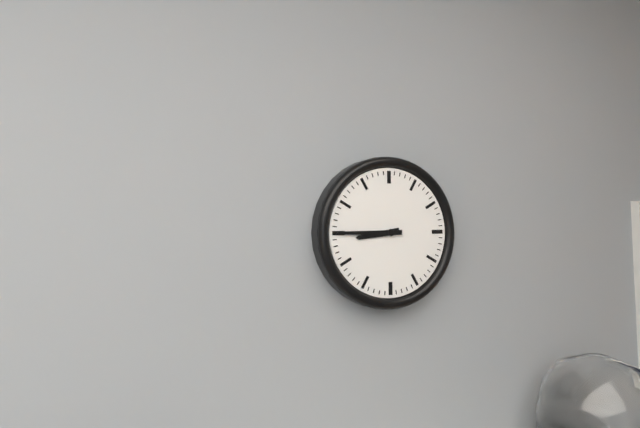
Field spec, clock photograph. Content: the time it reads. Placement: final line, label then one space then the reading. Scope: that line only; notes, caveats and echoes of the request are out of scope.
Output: 8:45
